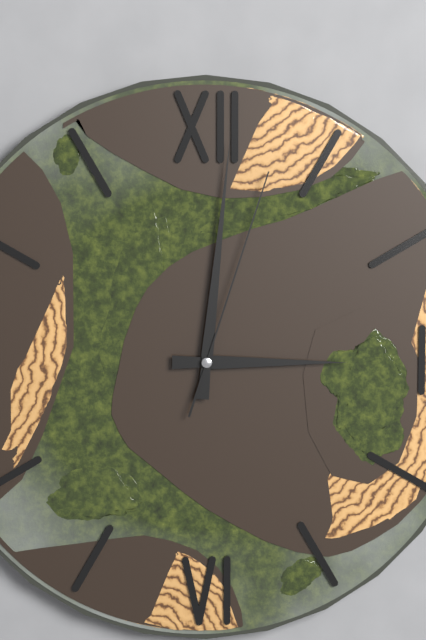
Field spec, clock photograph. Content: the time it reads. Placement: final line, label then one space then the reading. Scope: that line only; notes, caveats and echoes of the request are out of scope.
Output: 3:01:03
